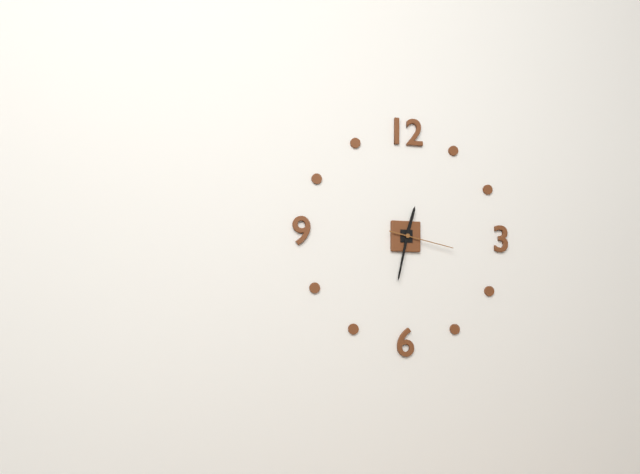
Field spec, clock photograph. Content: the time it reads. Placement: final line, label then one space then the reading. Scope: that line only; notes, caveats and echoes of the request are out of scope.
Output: 12:32:17
